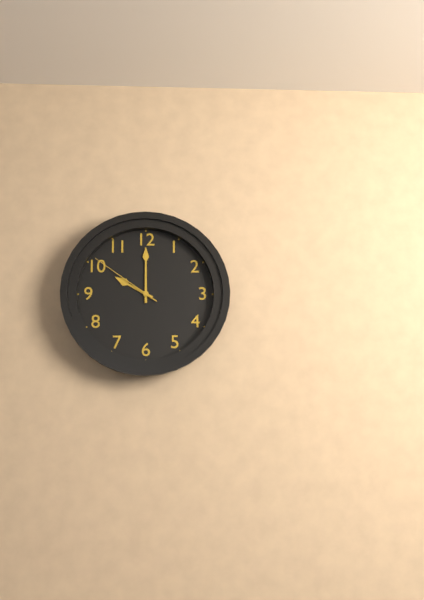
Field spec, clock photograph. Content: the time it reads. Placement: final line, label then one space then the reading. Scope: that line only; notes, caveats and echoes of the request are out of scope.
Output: 10:00:51
